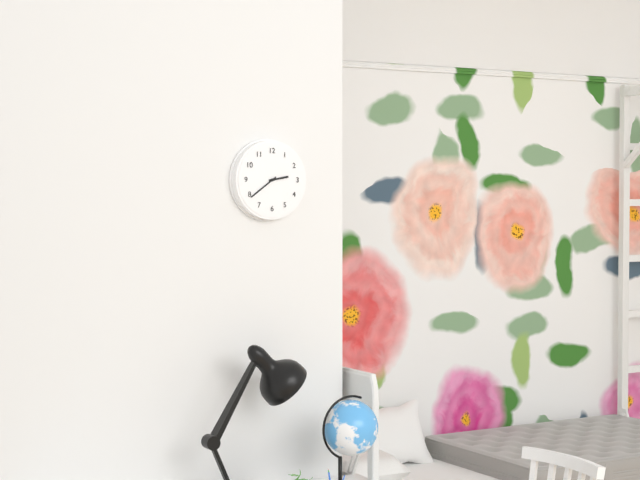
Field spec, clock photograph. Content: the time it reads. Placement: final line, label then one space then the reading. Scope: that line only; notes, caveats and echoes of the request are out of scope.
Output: 2:39
